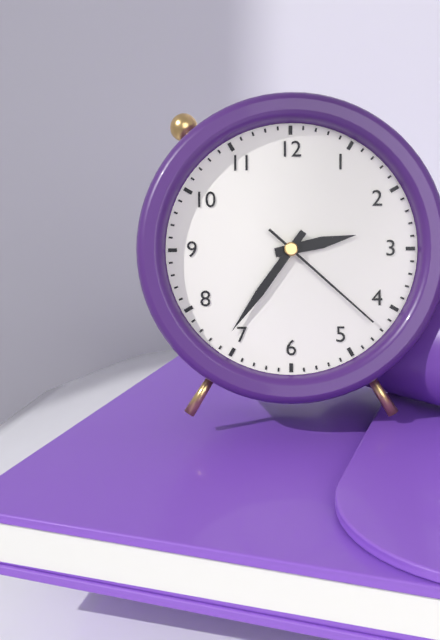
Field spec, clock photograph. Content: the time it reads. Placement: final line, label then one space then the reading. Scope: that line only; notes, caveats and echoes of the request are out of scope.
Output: 2:36:22
